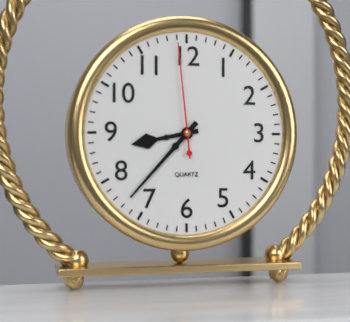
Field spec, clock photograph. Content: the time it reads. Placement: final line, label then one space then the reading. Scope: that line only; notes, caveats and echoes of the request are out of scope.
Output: 8:37:59
